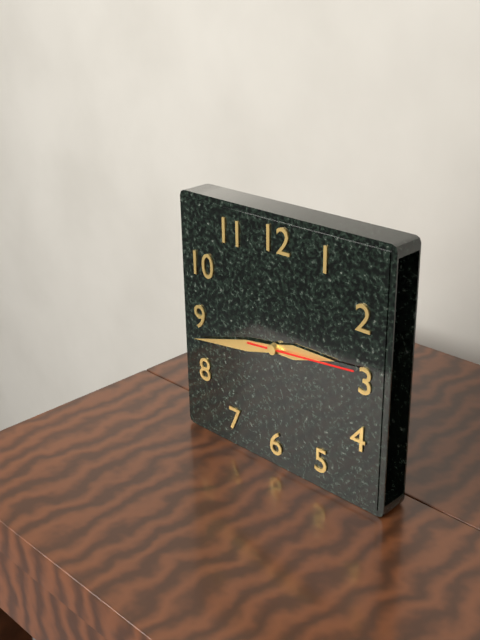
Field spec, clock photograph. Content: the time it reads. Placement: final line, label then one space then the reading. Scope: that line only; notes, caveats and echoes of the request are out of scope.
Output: 2:43:14
